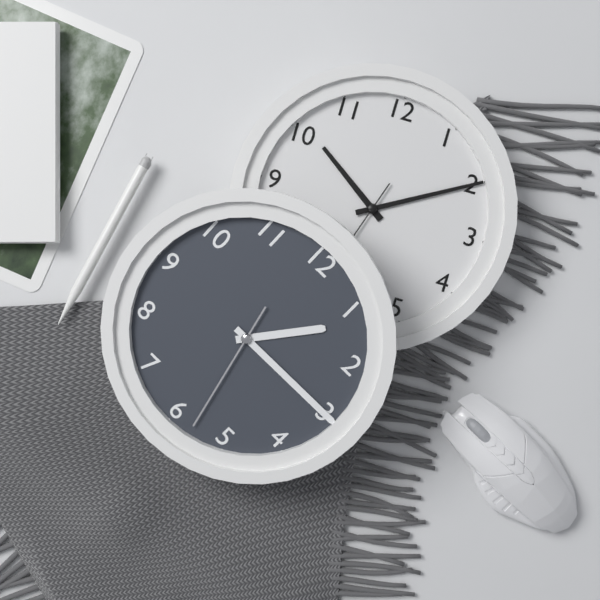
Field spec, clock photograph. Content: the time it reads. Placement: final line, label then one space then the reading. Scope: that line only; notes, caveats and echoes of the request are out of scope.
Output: 1:15:28
